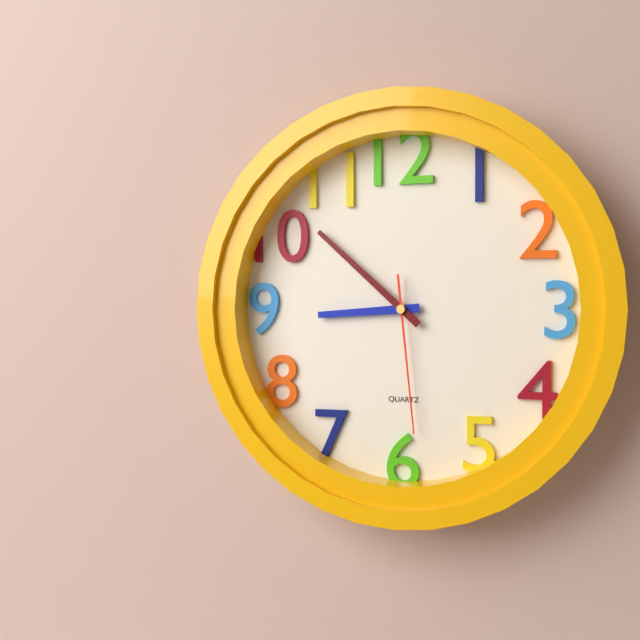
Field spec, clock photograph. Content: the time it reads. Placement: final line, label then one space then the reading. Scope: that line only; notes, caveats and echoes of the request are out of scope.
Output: 8:52:29
